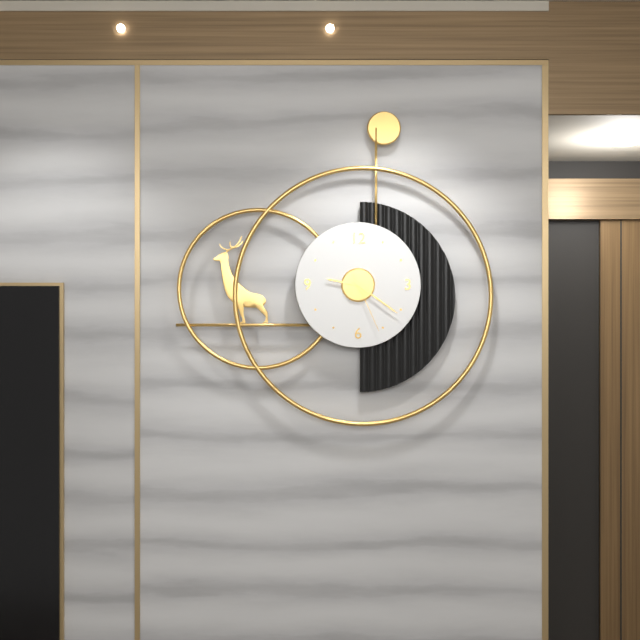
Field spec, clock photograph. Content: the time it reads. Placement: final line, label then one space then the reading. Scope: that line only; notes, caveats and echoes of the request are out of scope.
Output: 9:21:26
